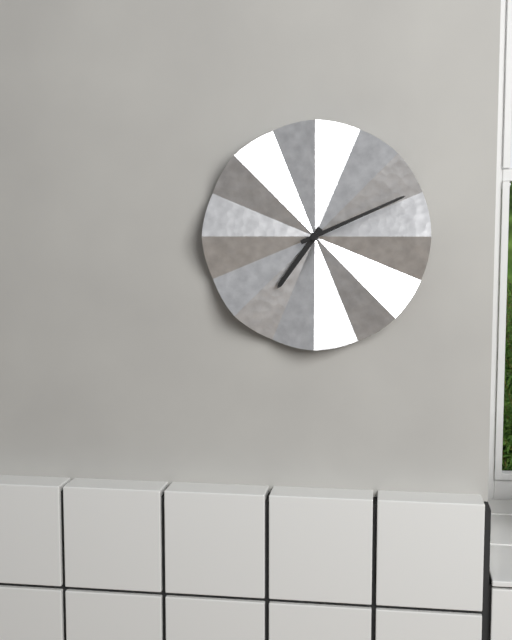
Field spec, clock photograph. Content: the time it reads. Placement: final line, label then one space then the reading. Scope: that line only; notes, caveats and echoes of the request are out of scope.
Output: 7:11
